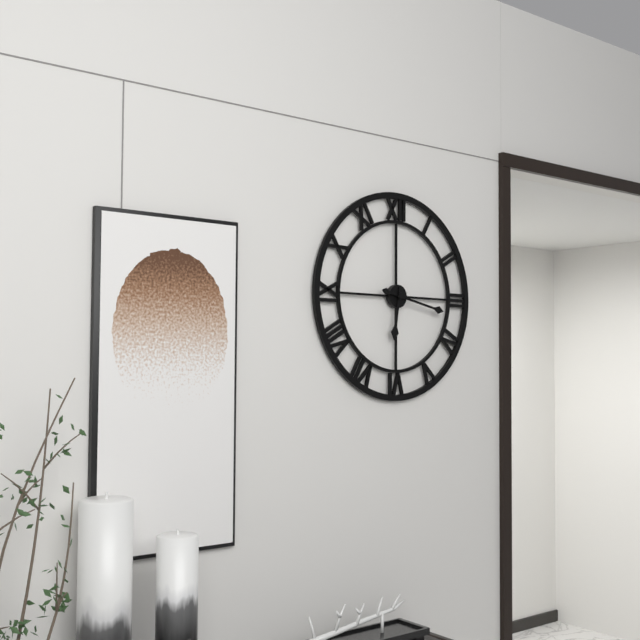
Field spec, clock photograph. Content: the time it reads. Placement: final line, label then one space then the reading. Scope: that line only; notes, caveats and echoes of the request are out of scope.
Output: 6:17
